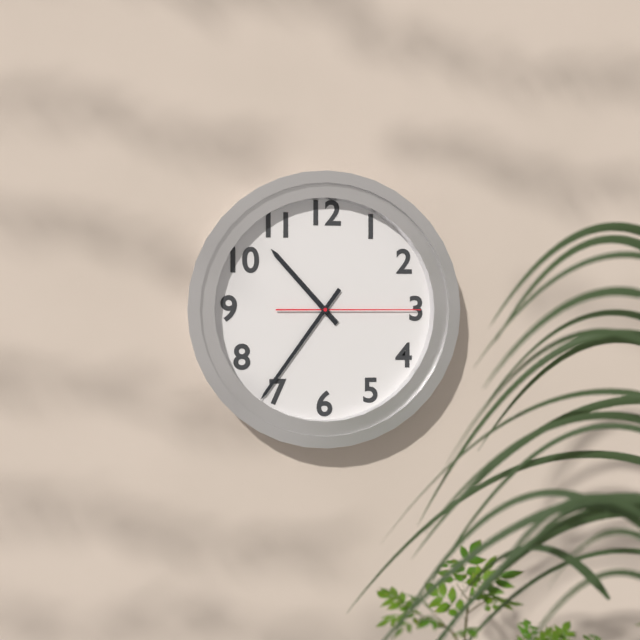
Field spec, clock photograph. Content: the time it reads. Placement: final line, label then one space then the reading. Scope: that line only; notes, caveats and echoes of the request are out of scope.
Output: 10:36:15
